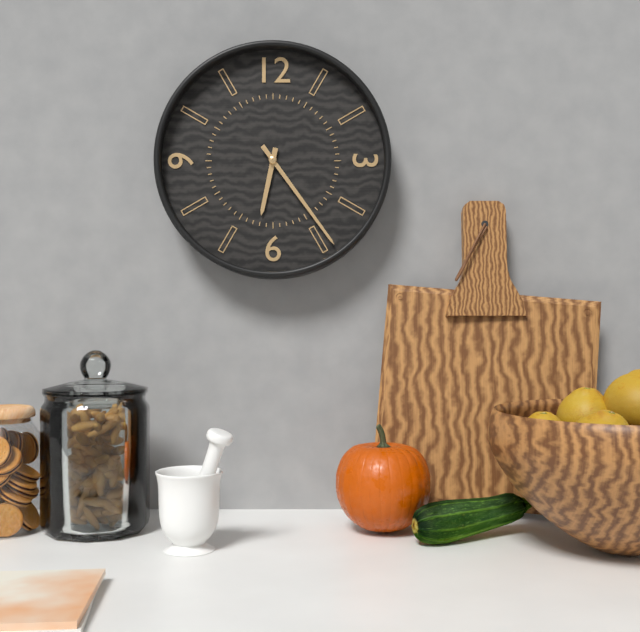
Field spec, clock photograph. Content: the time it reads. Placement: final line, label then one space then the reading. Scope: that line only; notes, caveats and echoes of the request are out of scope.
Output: 6:24
